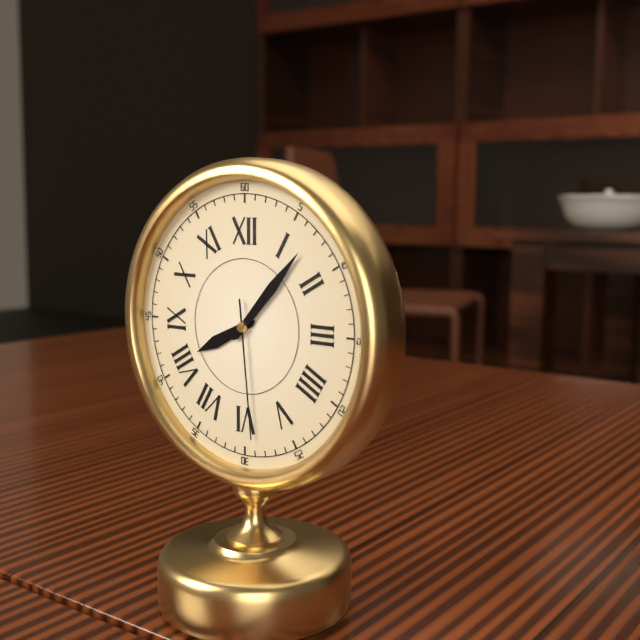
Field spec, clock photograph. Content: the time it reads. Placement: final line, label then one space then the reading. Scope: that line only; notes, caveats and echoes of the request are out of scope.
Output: 8:07:29
